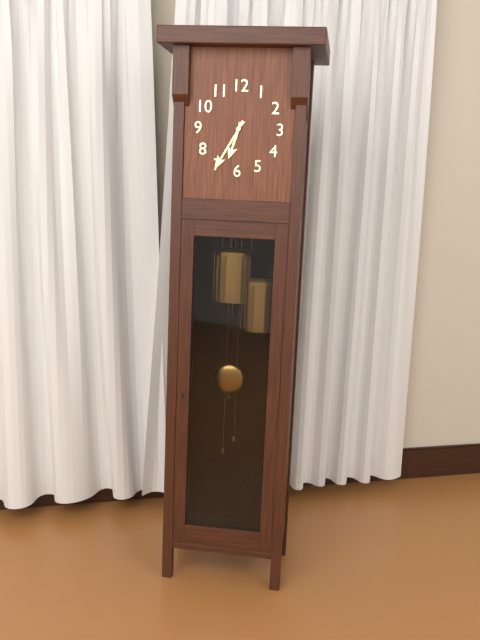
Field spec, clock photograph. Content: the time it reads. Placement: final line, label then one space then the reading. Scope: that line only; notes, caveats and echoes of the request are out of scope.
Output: 6:35
